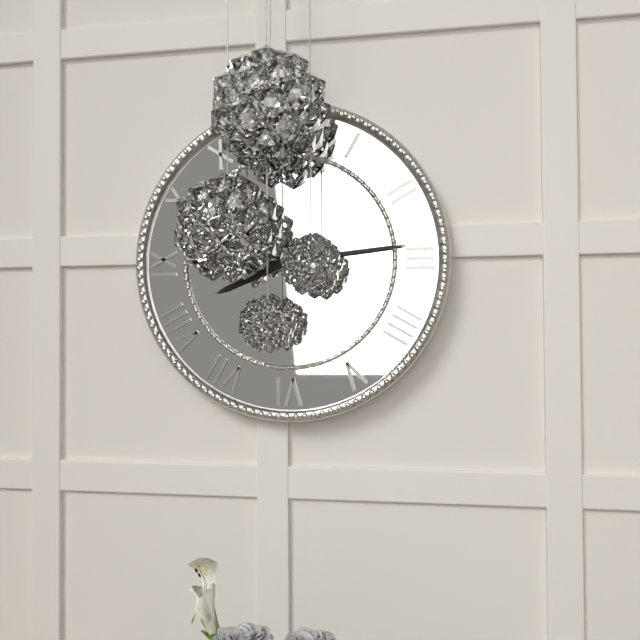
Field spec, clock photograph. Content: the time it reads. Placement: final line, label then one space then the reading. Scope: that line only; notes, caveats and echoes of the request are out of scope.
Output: 8:14
